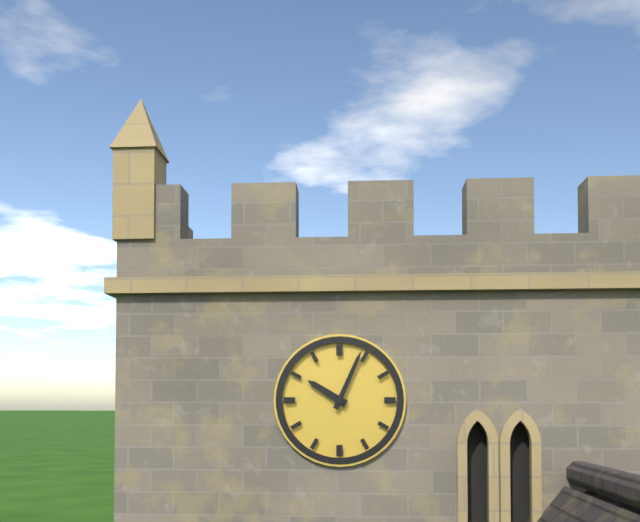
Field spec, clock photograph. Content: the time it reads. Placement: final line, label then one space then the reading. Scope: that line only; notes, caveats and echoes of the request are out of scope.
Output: 10:04
